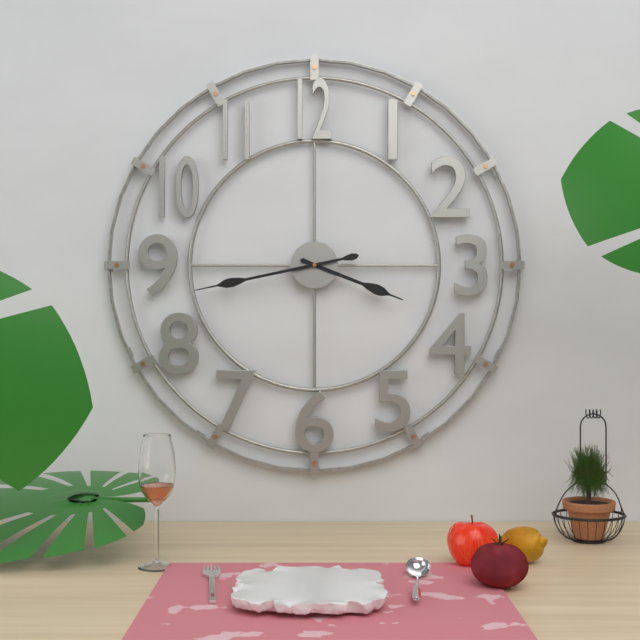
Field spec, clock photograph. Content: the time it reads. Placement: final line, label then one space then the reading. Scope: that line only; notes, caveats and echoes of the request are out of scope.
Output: 3:43
